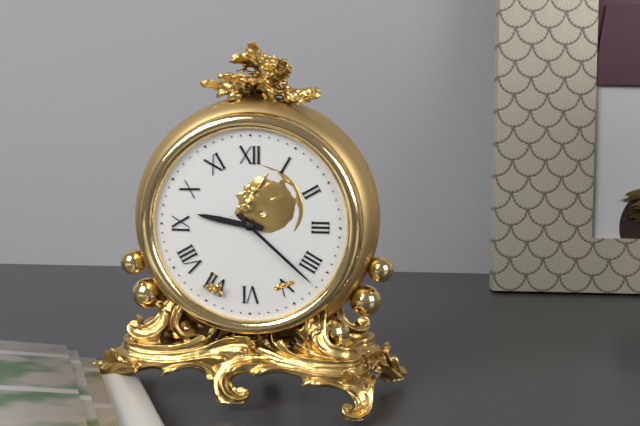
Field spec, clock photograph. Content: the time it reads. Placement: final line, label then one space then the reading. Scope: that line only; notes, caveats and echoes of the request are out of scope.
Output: 9:22
